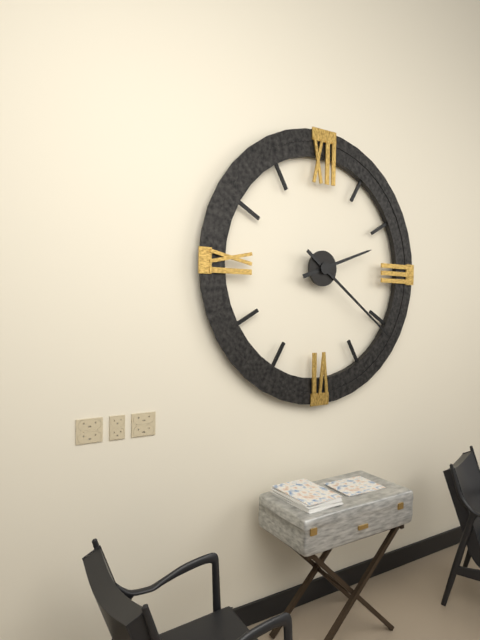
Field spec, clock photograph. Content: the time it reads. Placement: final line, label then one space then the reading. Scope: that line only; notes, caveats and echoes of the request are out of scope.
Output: 2:21
